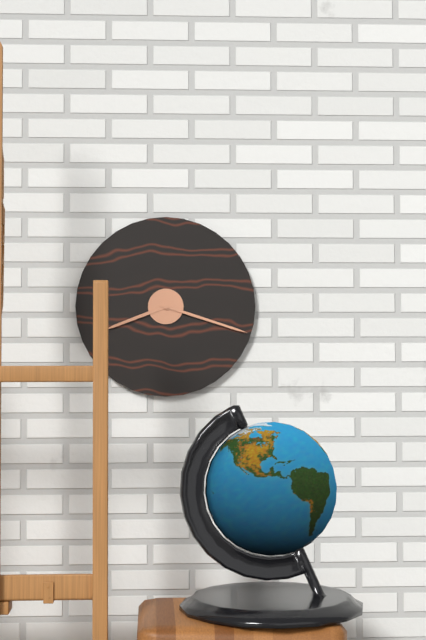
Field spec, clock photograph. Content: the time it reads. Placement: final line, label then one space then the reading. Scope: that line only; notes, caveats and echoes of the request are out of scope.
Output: 8:18
